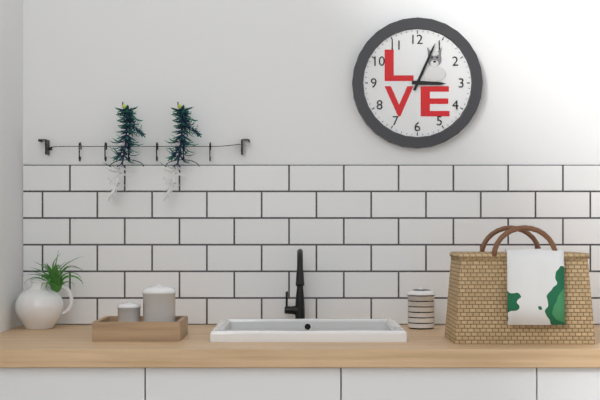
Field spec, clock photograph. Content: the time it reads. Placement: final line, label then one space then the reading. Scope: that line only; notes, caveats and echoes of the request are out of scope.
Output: 3:04
